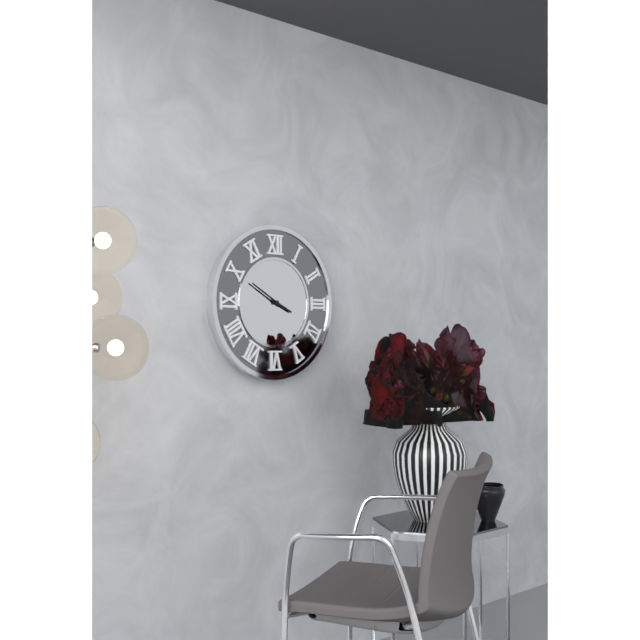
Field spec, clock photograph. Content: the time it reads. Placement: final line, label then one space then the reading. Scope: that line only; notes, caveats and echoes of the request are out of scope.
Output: 3:50
